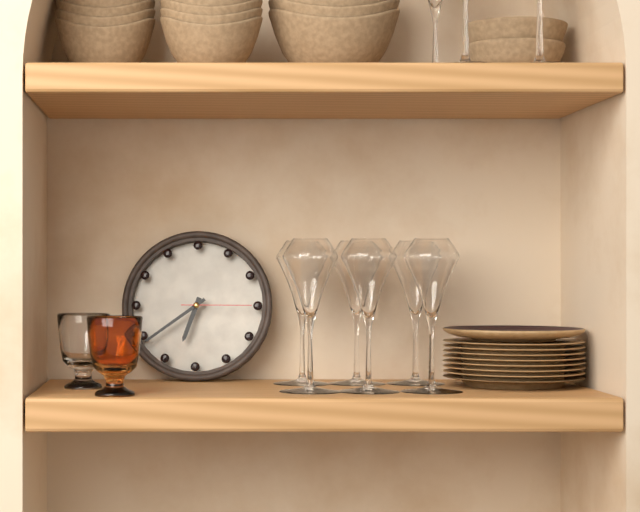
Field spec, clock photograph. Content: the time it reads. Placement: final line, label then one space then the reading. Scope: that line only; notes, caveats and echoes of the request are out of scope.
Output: 6:39:15
